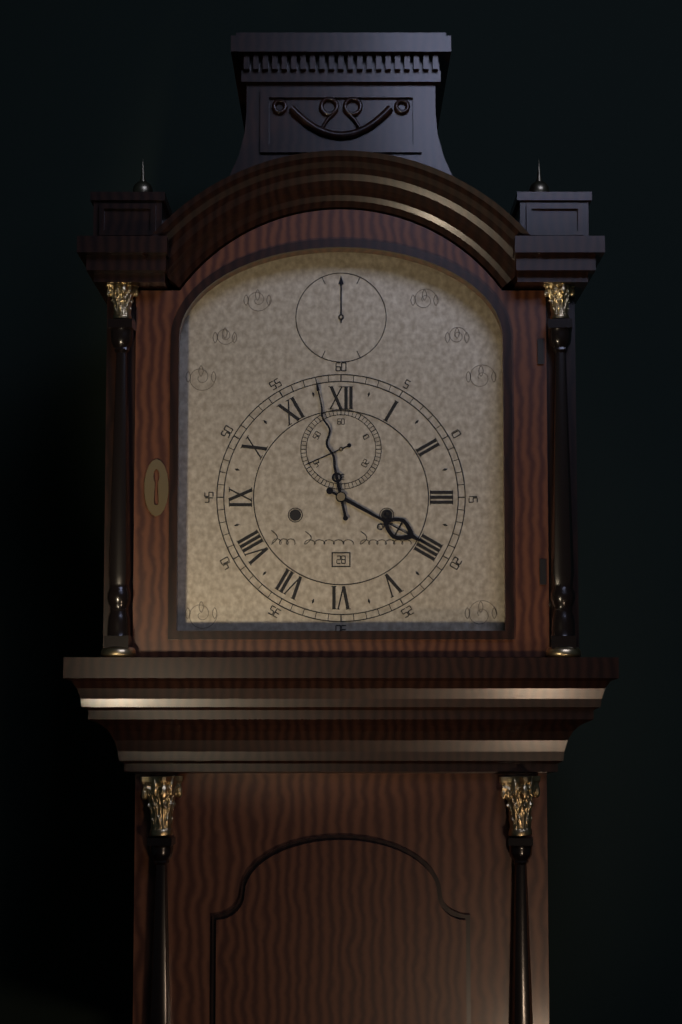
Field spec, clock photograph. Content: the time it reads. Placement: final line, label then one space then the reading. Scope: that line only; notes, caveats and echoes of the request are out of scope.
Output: 3:58
